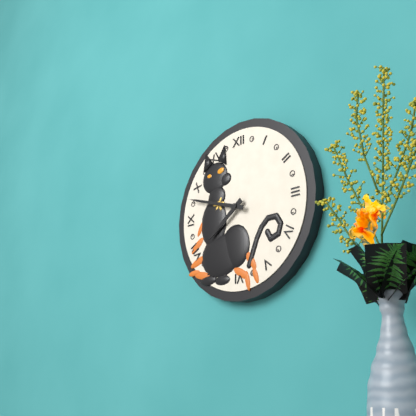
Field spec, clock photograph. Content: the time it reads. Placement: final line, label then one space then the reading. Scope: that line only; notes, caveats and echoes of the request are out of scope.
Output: 7:48
